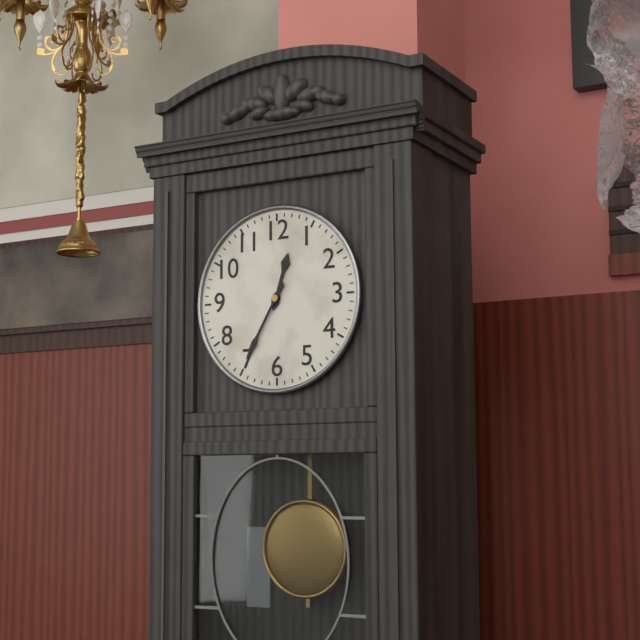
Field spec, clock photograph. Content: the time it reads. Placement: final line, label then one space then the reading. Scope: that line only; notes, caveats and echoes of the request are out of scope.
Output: 12:35
